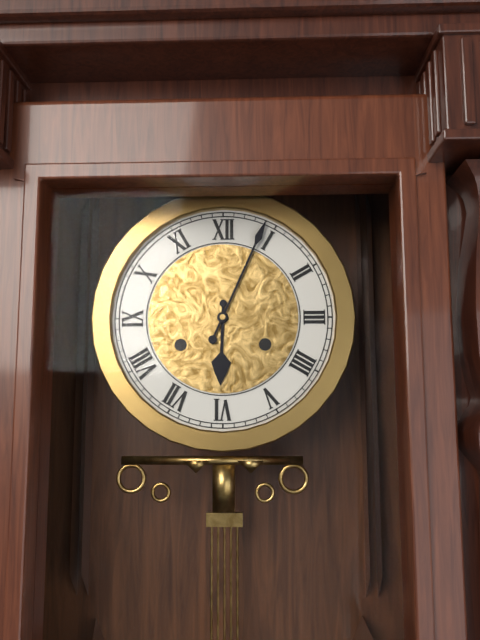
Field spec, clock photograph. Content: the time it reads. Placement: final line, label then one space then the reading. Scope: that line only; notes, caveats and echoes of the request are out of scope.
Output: 6:04
